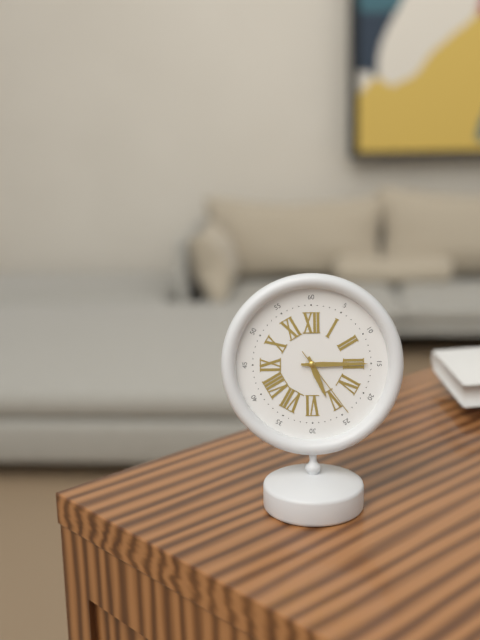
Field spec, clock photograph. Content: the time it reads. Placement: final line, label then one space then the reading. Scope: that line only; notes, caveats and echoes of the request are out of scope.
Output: 5:15:24
